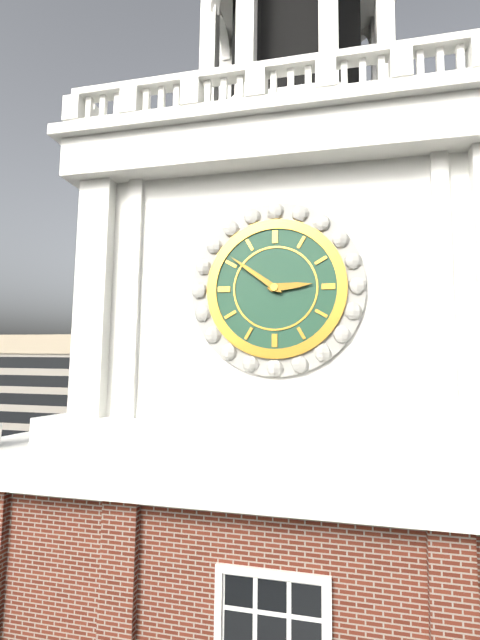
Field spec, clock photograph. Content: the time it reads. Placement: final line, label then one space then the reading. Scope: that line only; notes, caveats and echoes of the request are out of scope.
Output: 2:51
